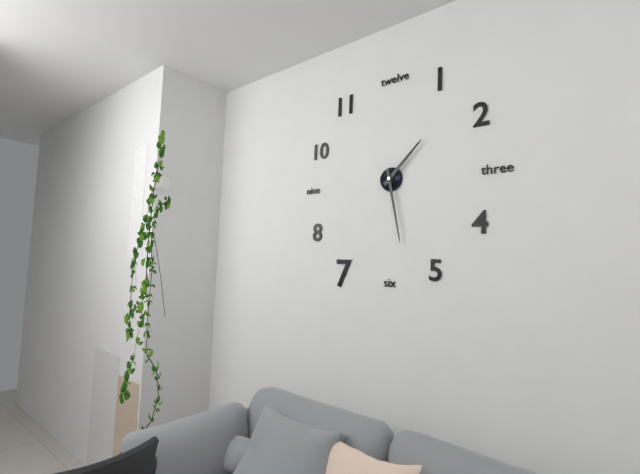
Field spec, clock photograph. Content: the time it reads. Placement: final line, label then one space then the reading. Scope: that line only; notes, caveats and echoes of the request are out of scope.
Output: 1:28
